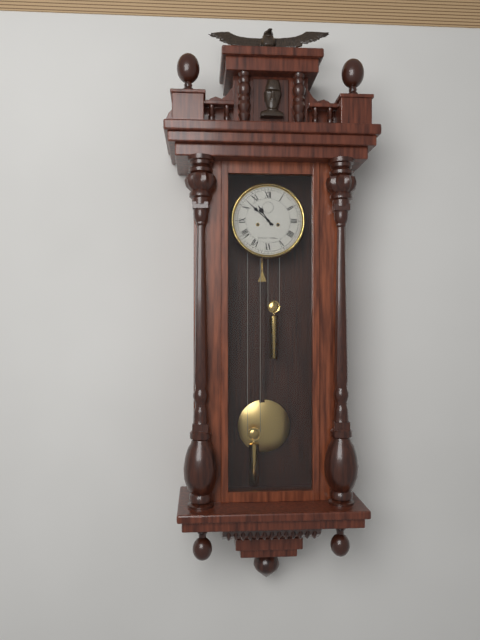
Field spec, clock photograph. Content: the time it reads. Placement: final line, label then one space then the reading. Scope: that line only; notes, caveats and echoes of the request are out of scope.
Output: 10:52
